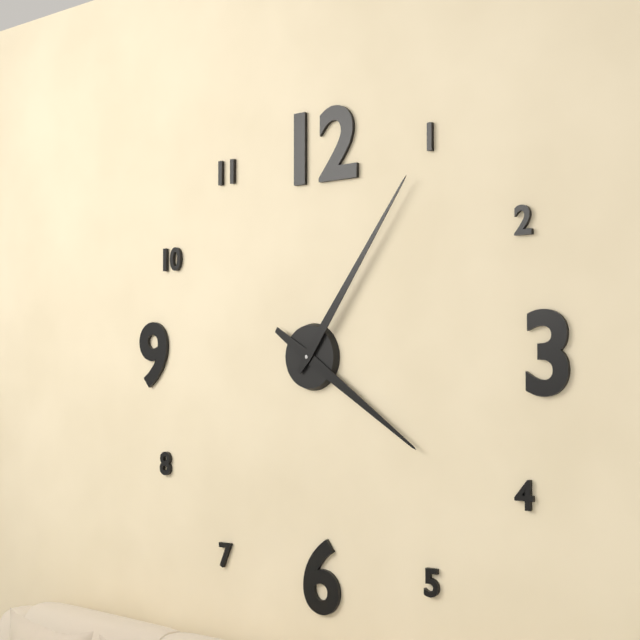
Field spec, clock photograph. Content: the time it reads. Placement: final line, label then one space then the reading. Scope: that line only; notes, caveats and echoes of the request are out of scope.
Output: 4:06
